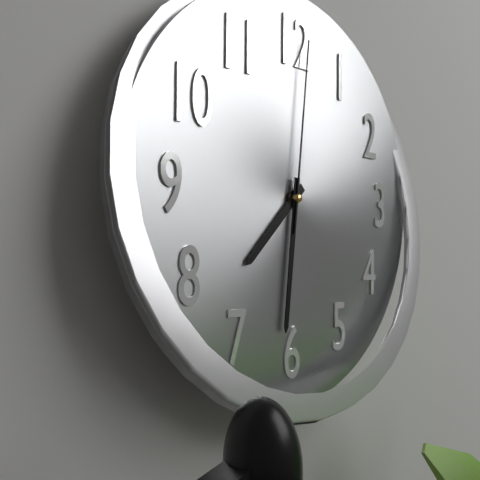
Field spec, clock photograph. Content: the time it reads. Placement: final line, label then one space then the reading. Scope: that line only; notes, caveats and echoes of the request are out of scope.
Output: 7:31:01
